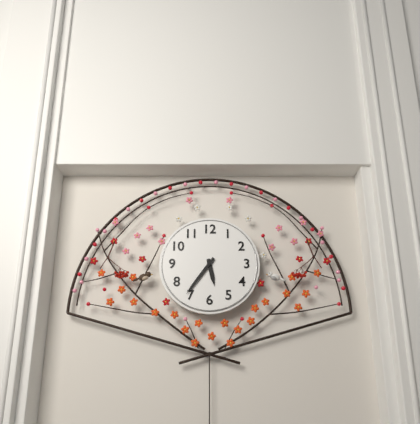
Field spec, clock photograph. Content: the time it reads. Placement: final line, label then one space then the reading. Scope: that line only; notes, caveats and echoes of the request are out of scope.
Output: 5:36
